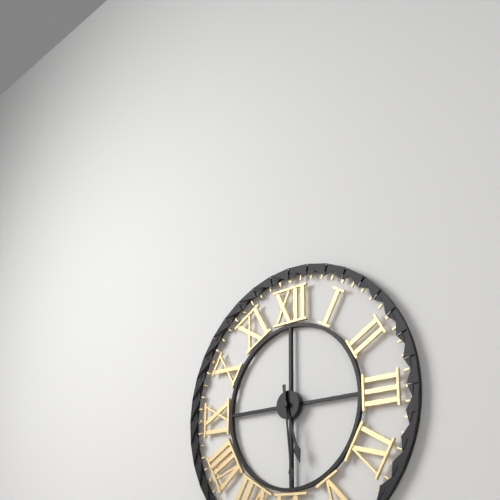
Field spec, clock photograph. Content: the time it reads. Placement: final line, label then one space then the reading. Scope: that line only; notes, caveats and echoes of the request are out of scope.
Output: 5:29
